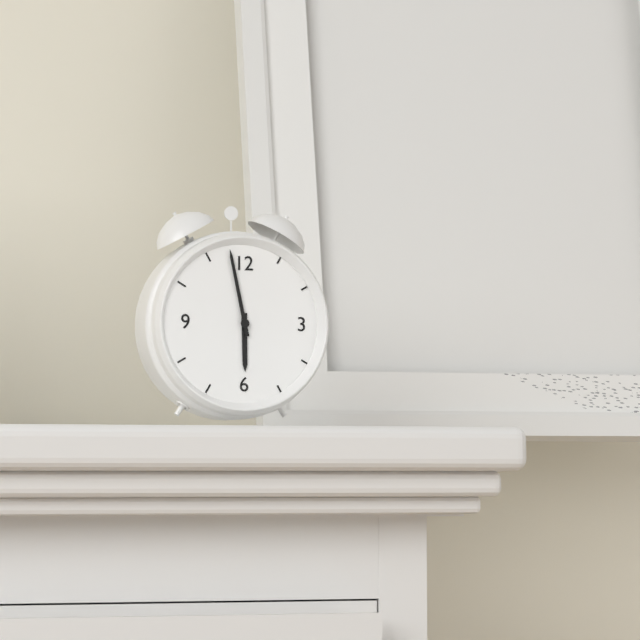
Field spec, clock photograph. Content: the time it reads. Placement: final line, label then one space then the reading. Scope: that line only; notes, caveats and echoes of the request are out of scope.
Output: 5:58
